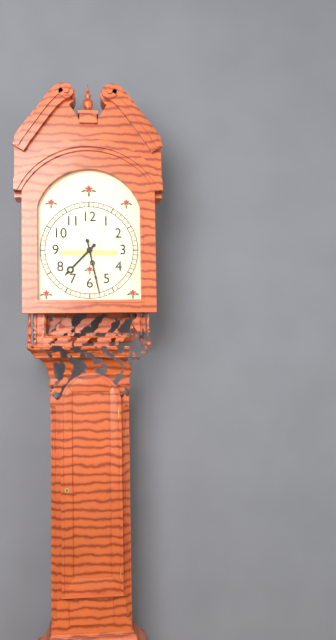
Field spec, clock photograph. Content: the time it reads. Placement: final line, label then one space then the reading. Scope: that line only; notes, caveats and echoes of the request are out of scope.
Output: 7:28
